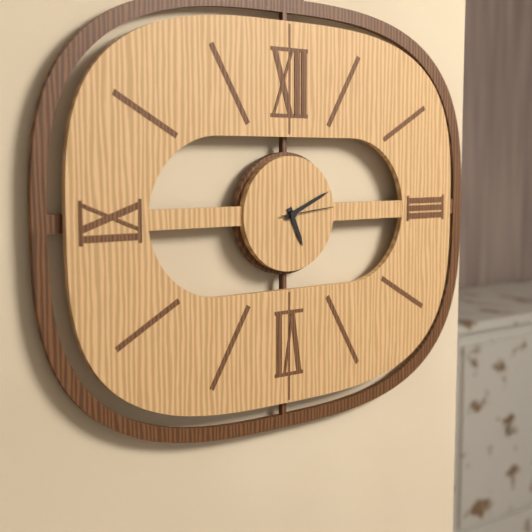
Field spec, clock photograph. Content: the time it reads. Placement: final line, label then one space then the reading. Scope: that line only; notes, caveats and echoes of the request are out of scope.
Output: 5:11:14
